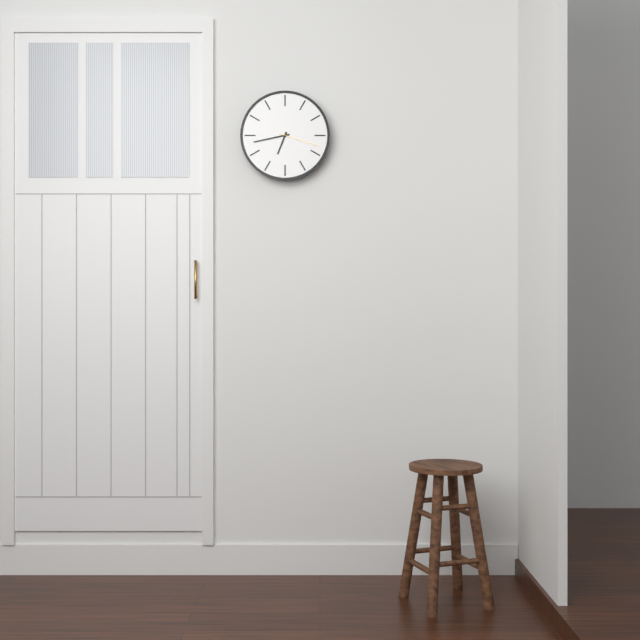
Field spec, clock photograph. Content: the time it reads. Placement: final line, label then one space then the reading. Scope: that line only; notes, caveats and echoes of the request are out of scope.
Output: 6:43
